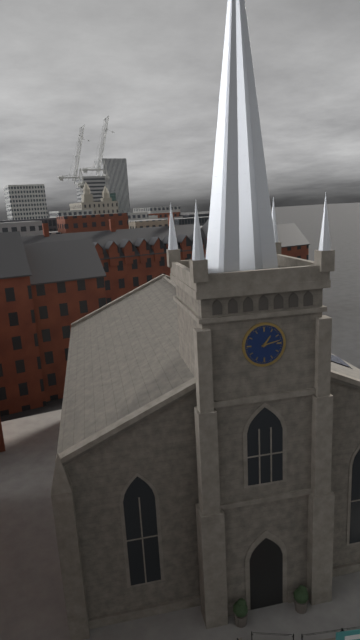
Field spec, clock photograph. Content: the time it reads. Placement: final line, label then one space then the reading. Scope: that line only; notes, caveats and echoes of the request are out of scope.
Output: 1:13
